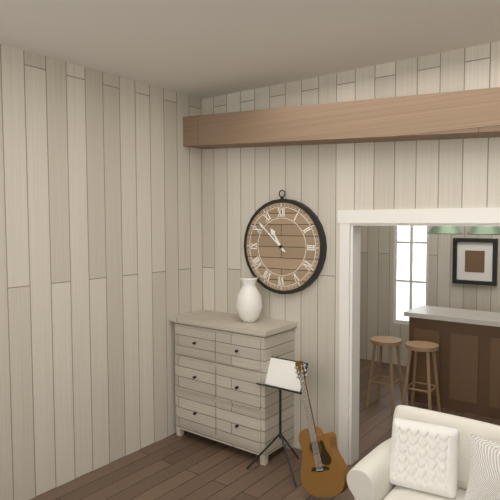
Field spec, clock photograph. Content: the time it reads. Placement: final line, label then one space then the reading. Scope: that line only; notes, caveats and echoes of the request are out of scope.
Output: 10:52
